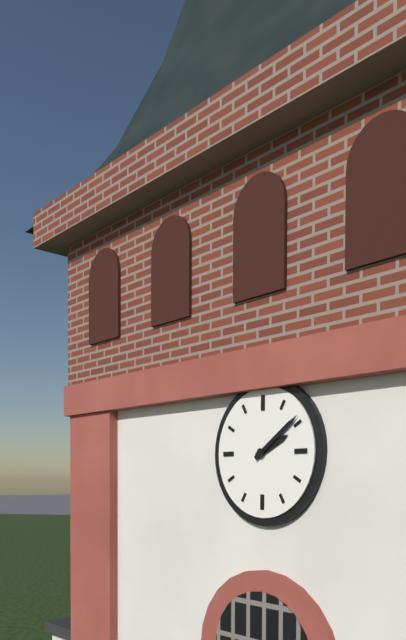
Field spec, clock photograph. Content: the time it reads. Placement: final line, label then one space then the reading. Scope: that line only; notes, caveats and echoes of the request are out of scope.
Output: 2:09
